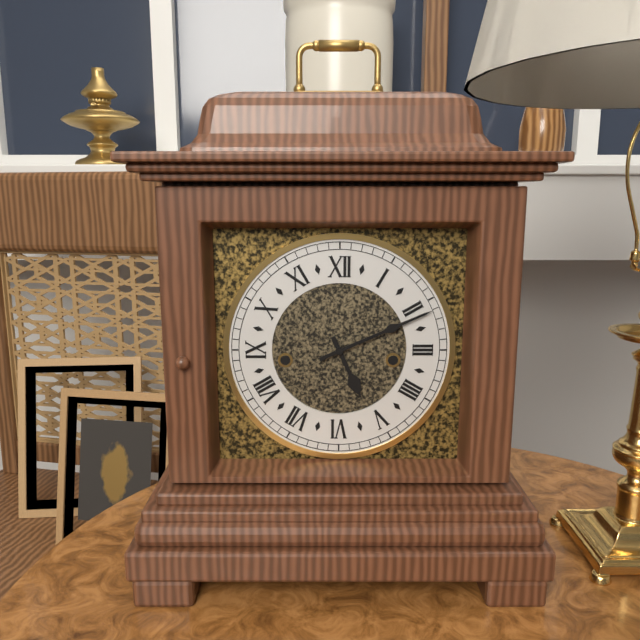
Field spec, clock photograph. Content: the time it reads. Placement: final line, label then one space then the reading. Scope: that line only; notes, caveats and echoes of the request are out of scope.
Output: 5:11
